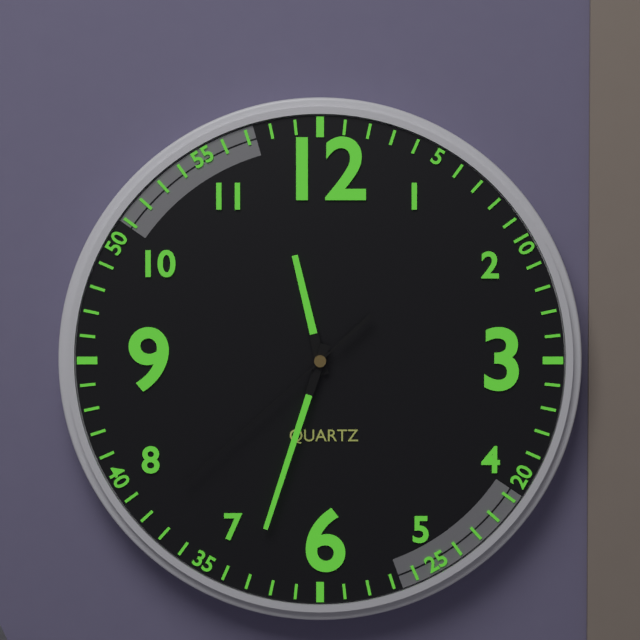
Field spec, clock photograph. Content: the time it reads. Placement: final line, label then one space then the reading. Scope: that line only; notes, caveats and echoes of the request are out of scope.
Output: 11:33:38
